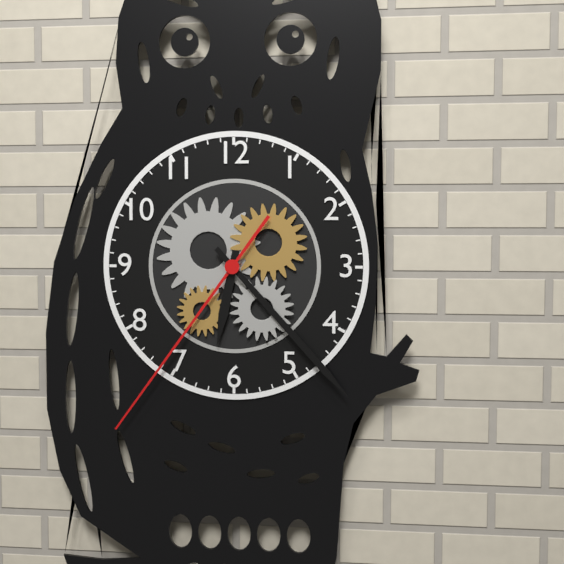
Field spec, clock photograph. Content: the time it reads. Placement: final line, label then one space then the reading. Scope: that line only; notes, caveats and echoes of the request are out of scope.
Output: 6:23:36
